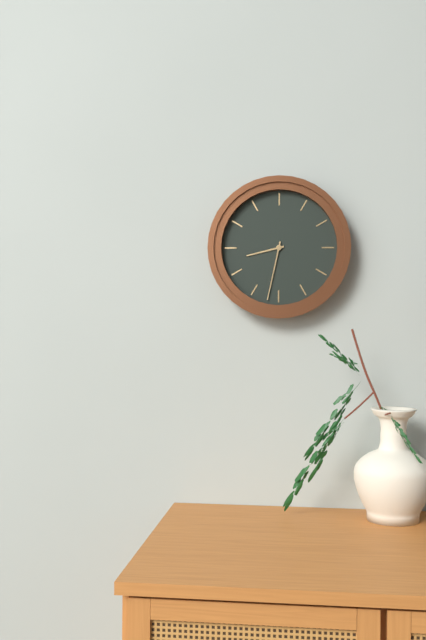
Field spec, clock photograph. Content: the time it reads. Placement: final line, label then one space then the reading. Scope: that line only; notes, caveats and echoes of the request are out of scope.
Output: 8:32
